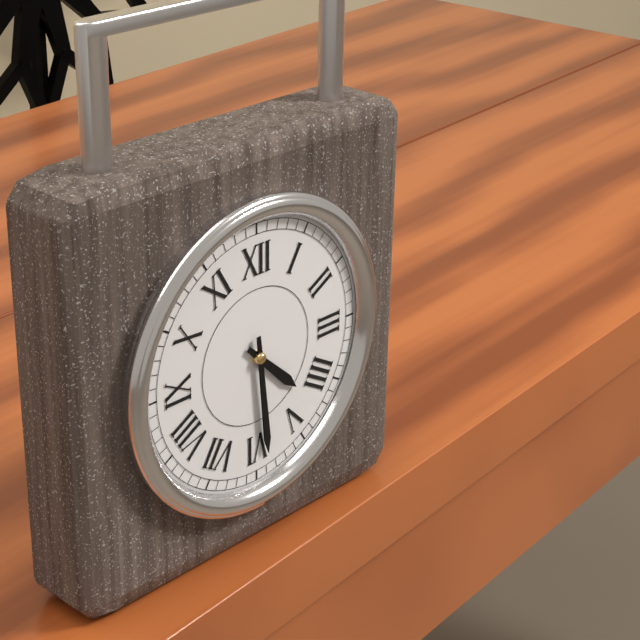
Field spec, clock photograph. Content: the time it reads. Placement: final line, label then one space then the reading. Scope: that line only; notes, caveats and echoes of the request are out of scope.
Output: 4:29
